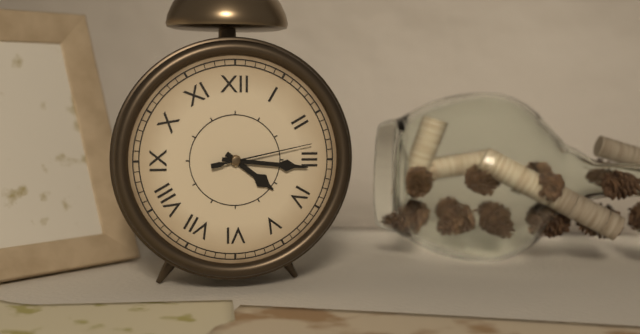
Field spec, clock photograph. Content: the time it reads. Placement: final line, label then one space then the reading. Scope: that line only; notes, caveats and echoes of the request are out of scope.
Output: 4:16:13
